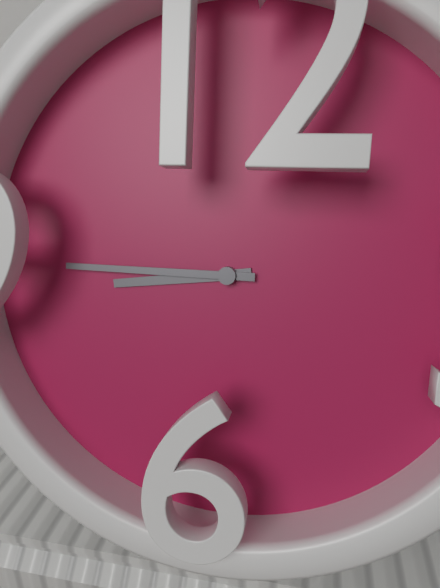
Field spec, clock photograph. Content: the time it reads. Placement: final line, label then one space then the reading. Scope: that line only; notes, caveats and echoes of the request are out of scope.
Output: 8:45
